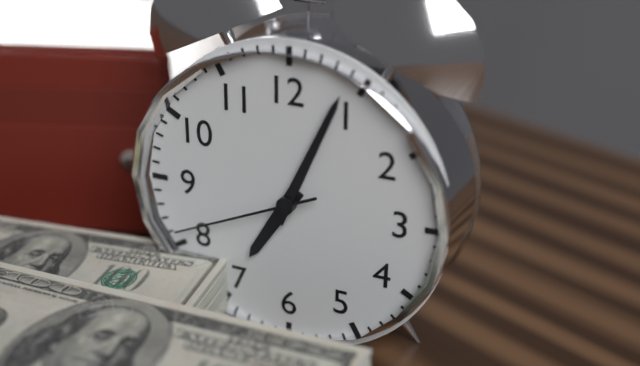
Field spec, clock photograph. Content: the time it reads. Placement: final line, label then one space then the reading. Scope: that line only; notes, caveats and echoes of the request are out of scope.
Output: 7:04:41
